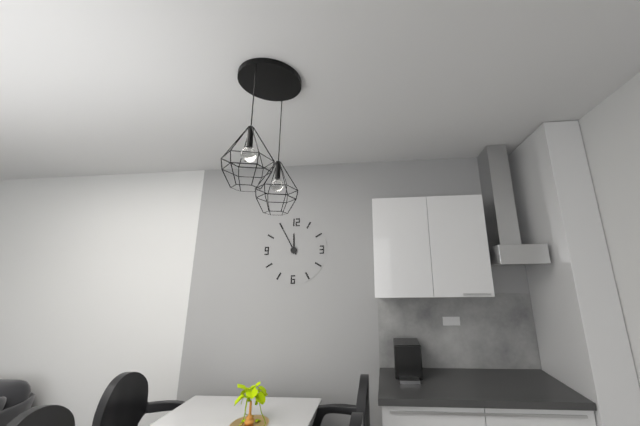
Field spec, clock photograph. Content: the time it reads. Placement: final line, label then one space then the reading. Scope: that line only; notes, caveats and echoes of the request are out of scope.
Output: 11:55
